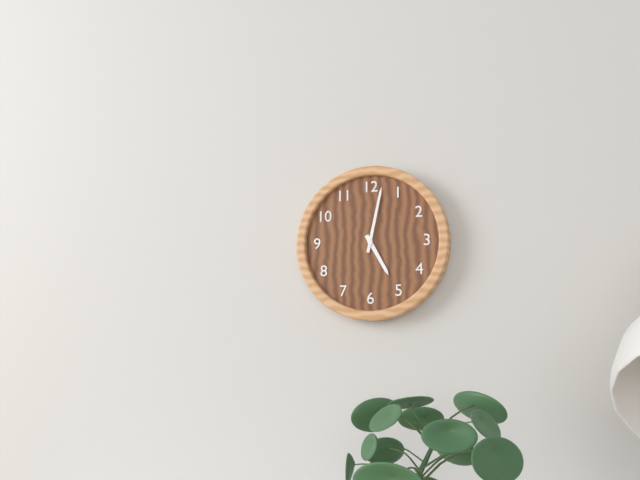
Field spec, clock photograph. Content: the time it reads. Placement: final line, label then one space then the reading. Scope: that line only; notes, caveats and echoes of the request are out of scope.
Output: 5:02
